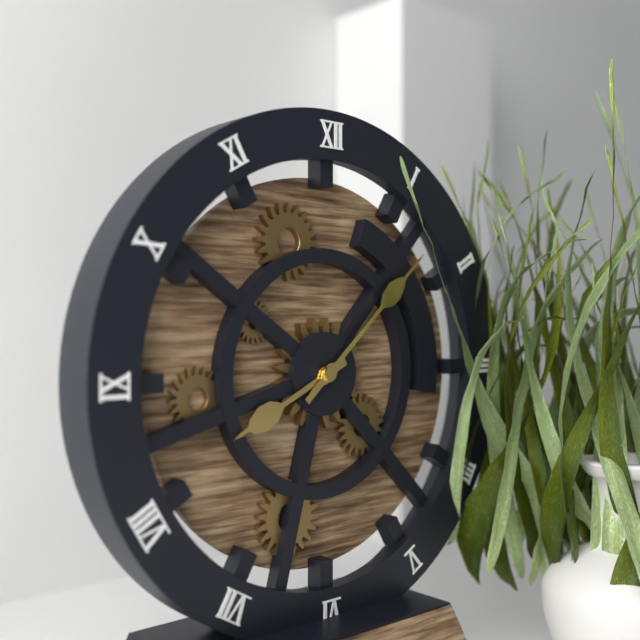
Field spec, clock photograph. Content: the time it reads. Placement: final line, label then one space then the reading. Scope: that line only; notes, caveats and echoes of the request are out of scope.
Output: 8:08
